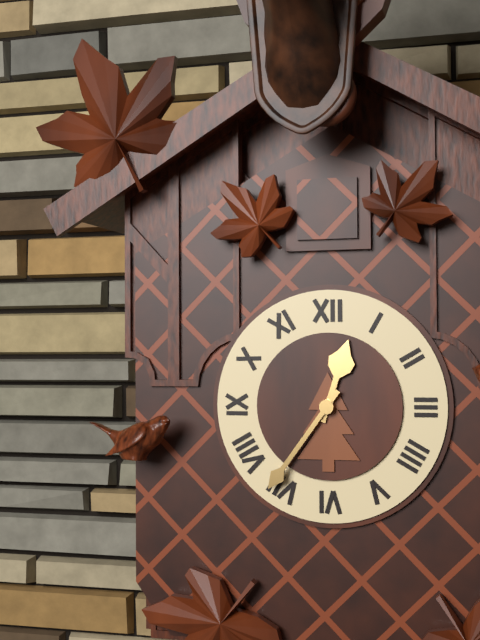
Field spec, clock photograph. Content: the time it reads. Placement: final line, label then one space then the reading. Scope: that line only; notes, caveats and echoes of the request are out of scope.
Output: 12:36
